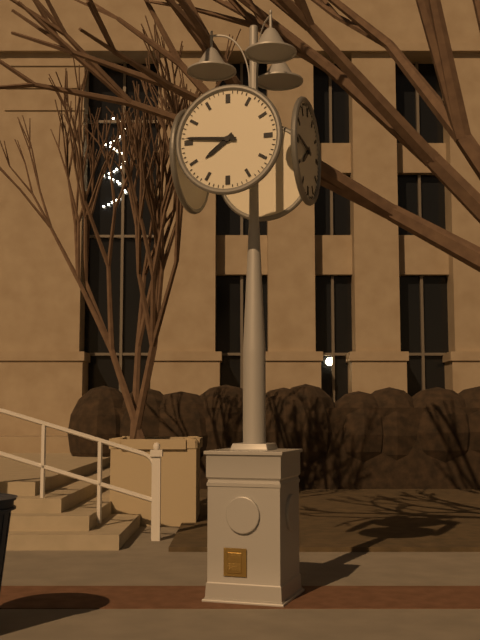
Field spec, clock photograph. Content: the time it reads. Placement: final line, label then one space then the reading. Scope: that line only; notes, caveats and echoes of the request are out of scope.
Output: 7:46
